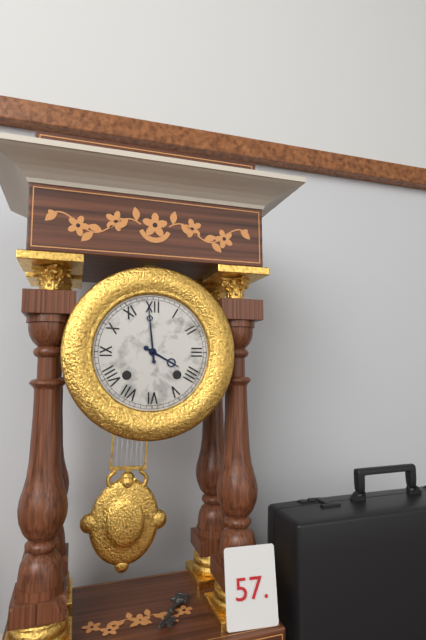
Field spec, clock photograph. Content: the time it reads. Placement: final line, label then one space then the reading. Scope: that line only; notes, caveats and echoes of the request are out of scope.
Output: 3:59
